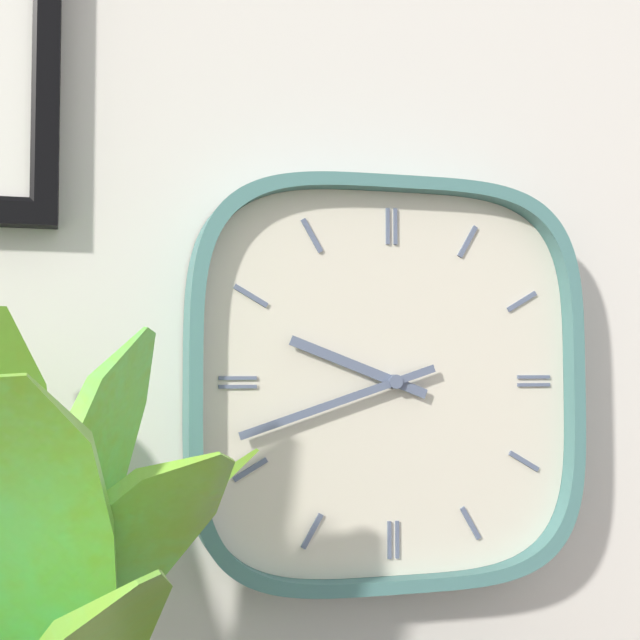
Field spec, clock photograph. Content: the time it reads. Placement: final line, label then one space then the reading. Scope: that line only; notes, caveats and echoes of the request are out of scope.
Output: 9:42
